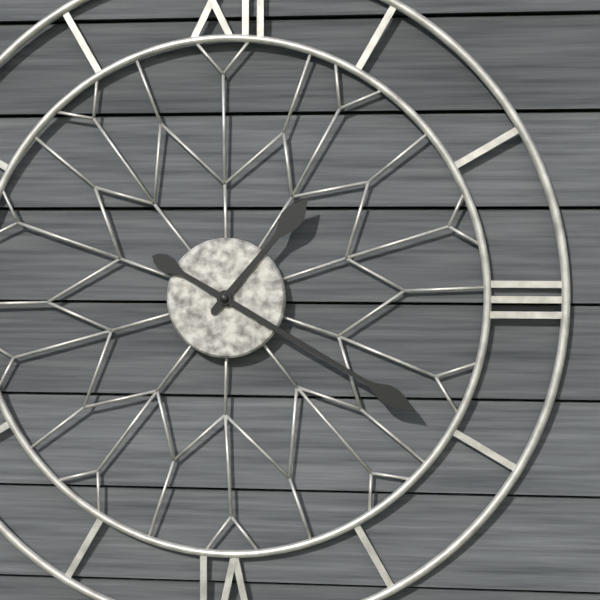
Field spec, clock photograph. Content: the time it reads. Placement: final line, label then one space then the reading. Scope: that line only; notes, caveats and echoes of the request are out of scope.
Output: 1:20
